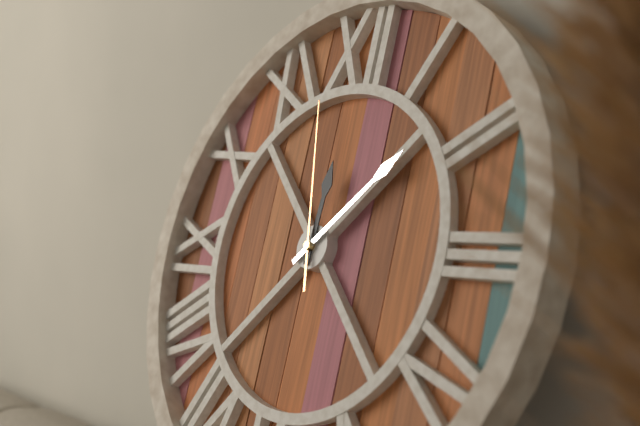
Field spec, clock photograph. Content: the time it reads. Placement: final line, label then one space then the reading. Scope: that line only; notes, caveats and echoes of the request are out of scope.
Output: 12:08:58
